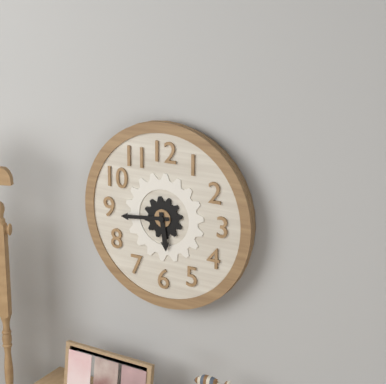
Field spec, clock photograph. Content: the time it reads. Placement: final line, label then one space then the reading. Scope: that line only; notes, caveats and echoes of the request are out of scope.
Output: 5:44
